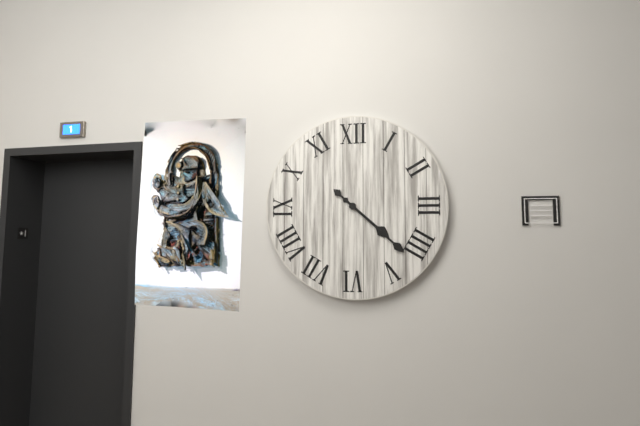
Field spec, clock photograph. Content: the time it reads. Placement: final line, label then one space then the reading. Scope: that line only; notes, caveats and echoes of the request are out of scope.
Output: 4:22
